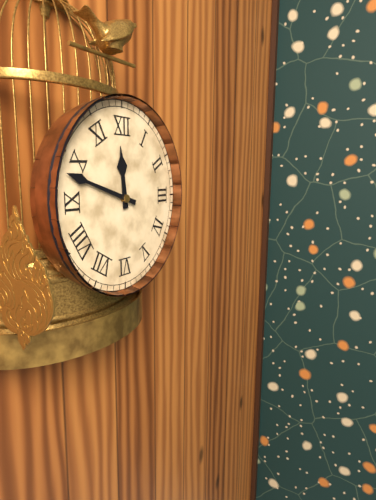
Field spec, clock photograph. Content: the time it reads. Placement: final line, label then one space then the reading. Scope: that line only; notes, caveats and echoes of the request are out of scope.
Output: 11:48
